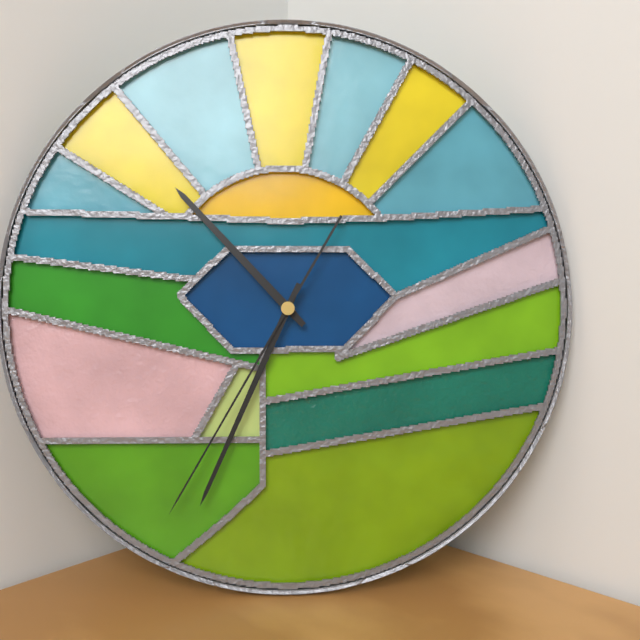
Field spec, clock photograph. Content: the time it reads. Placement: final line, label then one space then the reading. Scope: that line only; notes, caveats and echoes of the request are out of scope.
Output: 10:34:35
